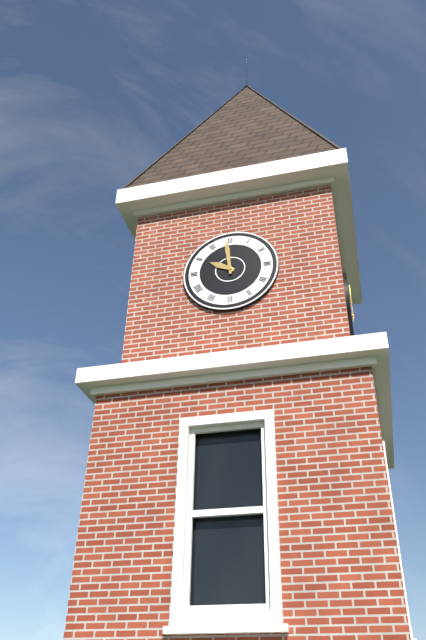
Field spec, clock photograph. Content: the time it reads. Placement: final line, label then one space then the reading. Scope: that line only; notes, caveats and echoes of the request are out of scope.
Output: 9:59
